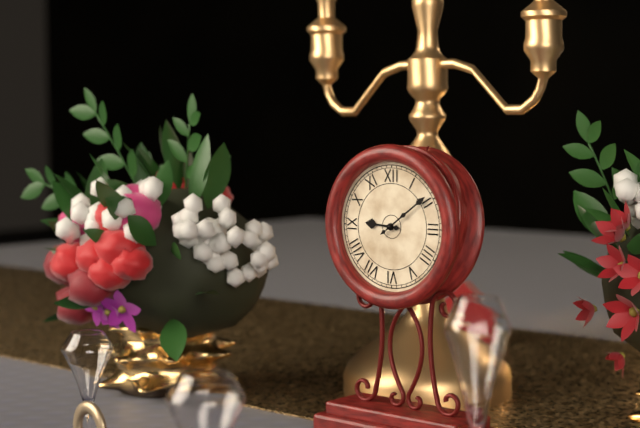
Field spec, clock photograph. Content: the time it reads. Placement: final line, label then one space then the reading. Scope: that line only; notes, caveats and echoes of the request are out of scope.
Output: 9:09
